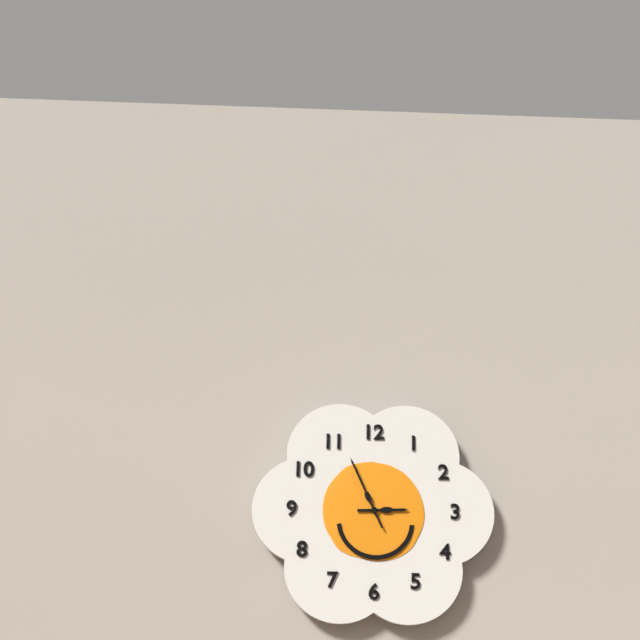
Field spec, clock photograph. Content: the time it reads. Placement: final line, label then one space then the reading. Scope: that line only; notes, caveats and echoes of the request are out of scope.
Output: 2:56
